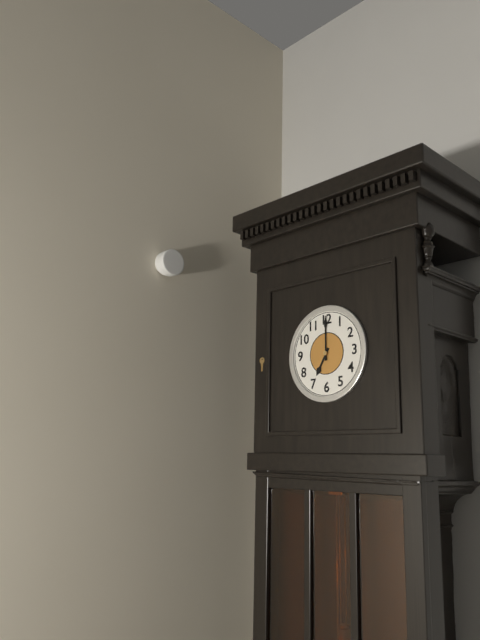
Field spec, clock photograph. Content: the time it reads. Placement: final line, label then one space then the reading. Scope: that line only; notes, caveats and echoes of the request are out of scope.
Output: 7:00
